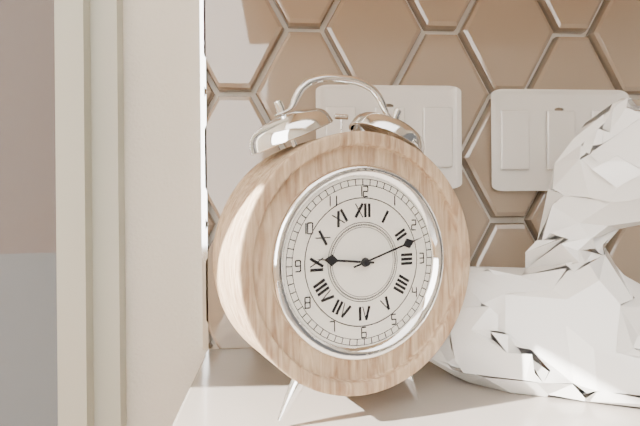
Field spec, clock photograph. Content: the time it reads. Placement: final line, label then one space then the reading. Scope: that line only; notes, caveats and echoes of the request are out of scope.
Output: 9:12
